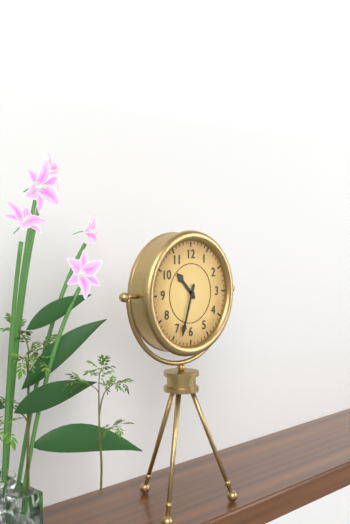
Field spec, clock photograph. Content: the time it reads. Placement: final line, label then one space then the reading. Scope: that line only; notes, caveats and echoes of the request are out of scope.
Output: 10:33
